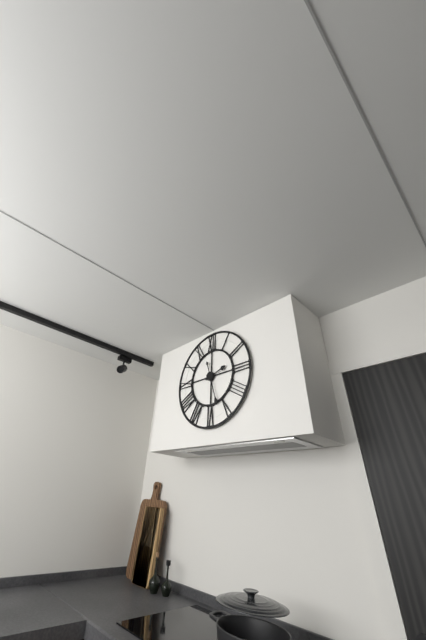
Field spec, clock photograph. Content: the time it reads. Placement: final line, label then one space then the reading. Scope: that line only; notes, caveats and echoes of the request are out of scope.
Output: 2:27
